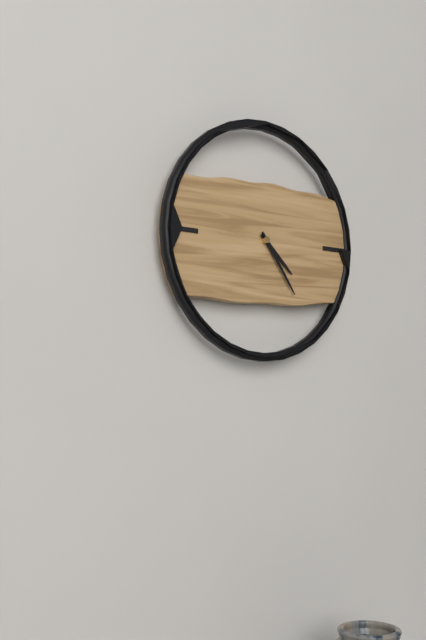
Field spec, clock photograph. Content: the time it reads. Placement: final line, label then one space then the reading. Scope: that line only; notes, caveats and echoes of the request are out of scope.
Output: 4:24
